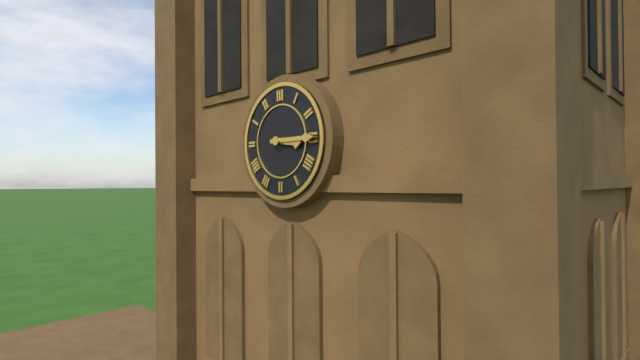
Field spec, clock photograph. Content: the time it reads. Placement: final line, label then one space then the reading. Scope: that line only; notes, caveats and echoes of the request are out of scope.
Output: 3:15
